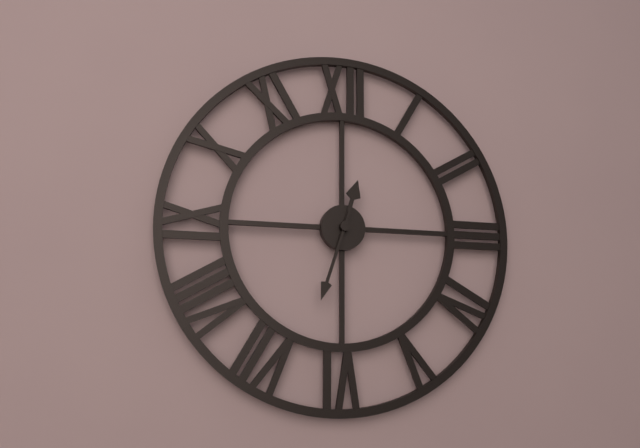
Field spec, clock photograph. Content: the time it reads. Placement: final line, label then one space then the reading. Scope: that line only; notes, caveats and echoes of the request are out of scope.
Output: 12:33
